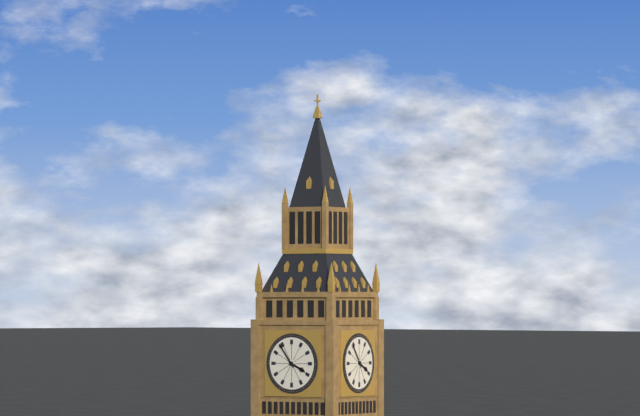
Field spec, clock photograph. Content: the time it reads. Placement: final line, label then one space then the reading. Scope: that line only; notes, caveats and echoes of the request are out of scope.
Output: 3:54
